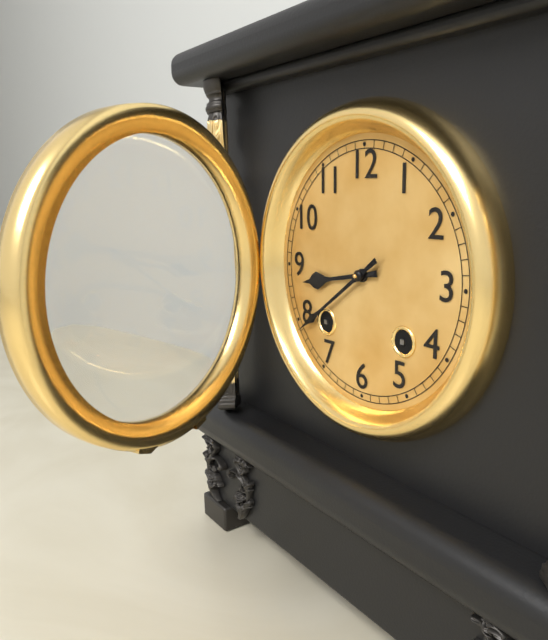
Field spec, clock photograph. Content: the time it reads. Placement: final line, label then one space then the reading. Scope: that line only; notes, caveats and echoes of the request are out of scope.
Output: 8:39
